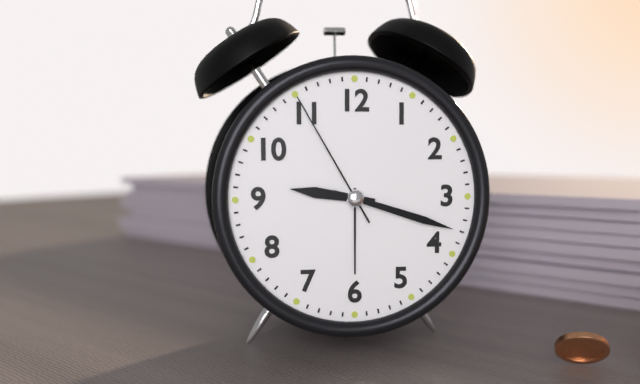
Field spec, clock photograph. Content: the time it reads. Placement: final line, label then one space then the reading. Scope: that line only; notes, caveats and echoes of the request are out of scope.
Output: 9:18:55
